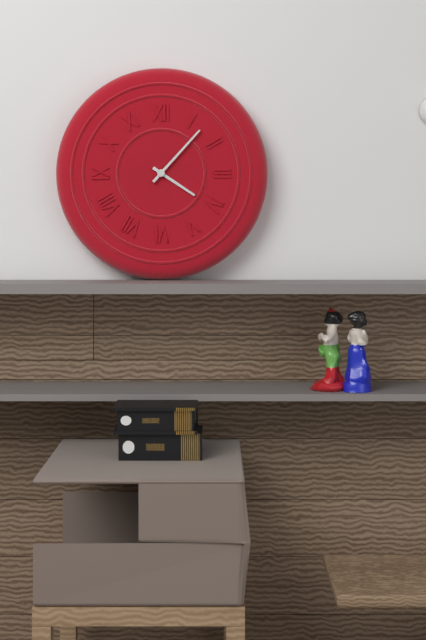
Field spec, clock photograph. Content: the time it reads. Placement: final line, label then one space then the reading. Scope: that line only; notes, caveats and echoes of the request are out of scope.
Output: 4:07
